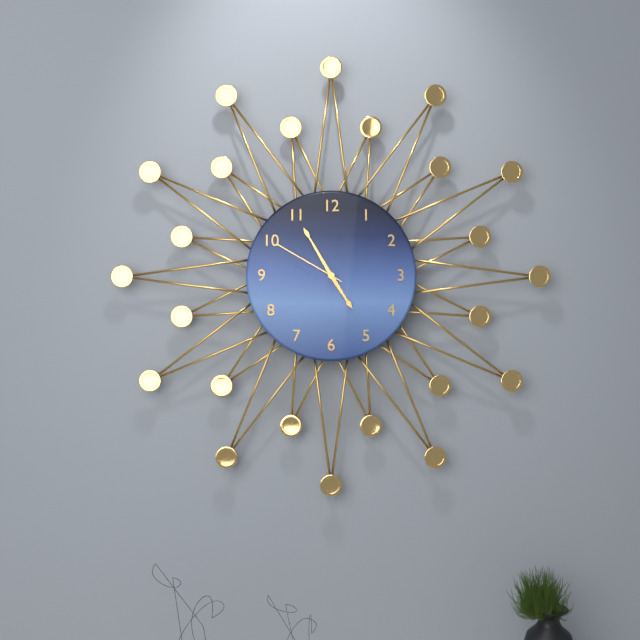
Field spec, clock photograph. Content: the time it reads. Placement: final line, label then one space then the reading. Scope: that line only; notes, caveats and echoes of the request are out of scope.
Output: 4:55:50
